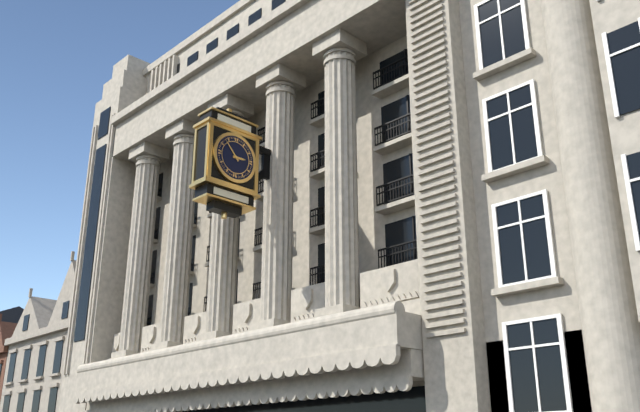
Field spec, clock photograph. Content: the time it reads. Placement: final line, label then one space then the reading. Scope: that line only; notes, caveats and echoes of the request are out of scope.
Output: 2:53
